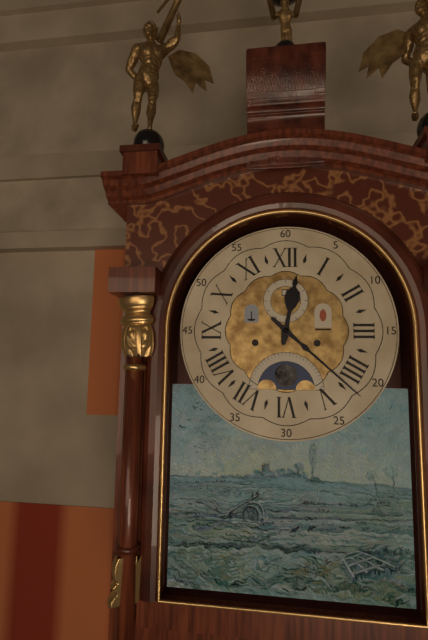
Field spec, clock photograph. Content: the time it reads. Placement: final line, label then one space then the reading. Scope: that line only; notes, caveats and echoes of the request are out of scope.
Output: 12:22
